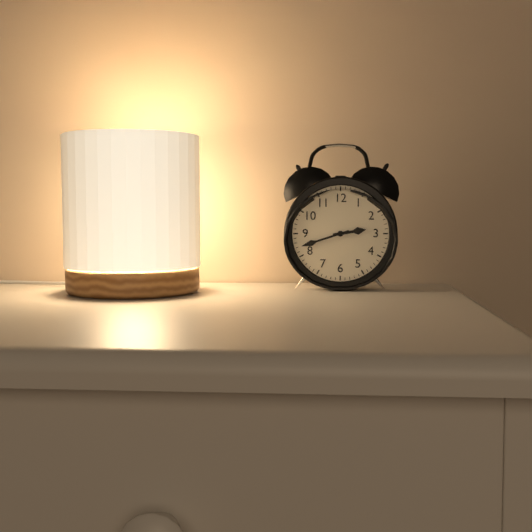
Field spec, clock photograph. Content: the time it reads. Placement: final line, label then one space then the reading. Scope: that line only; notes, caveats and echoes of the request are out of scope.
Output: 2:42
